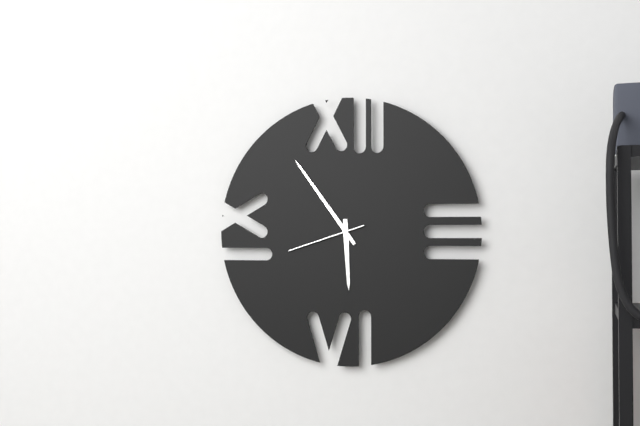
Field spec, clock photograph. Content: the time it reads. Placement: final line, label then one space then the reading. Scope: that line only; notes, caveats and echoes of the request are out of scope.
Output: 5:54:42
